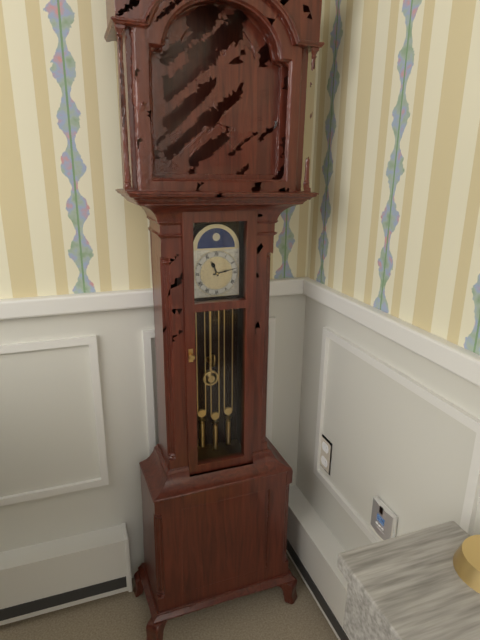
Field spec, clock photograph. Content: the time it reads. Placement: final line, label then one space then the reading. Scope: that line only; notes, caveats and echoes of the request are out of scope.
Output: 11:13
